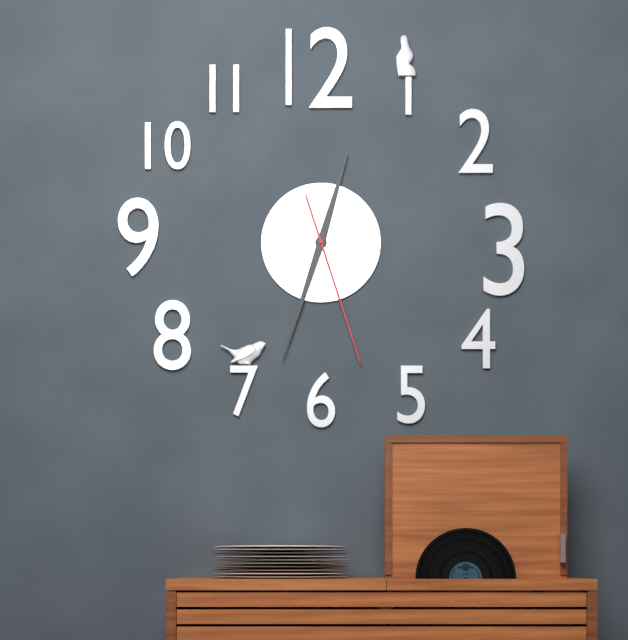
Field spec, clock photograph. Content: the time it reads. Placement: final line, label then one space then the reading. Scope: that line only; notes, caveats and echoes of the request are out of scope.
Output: 12:33:27
